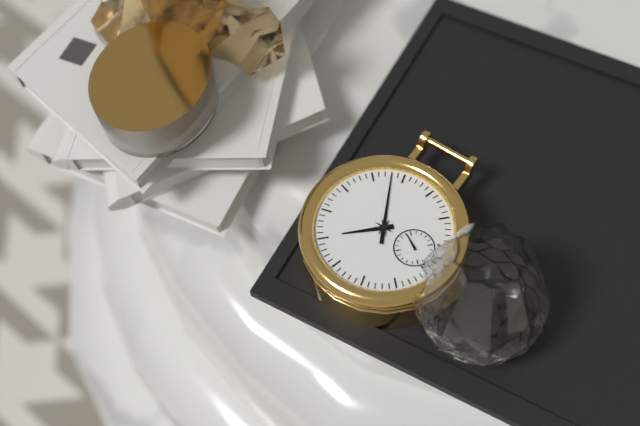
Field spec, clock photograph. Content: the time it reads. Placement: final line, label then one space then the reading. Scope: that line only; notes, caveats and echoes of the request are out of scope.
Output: 9:03
